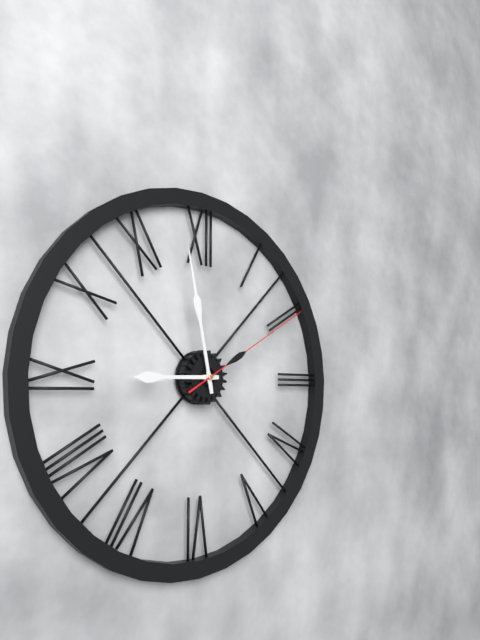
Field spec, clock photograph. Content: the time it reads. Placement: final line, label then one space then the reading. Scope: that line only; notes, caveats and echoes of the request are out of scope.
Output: 8:58:10
